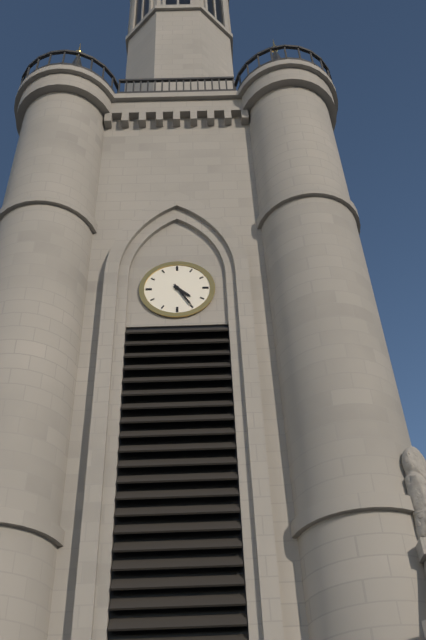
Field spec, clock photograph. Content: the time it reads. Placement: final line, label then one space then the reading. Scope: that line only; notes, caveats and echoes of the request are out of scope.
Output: 4:25
